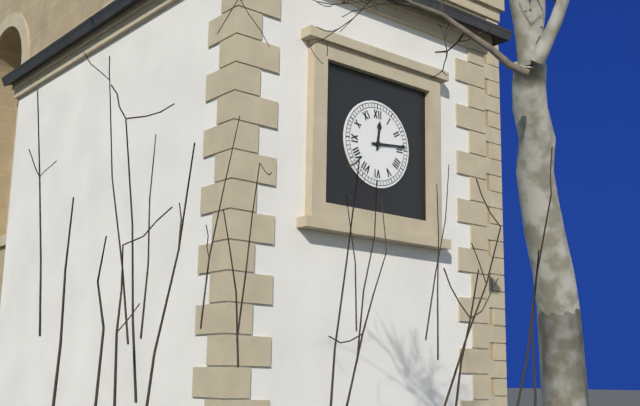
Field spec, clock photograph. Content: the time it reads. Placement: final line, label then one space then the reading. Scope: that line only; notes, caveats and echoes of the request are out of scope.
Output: 12:14
